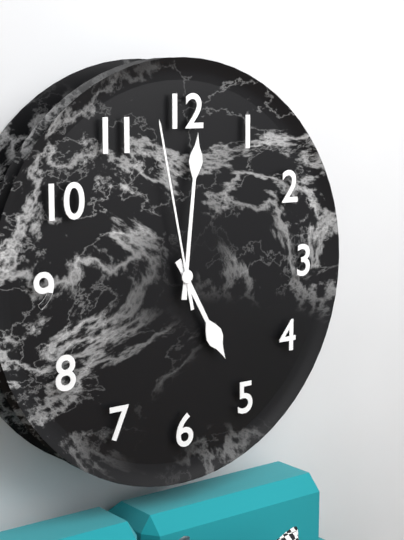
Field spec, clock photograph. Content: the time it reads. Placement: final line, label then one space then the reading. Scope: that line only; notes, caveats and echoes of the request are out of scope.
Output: 5:01:58
